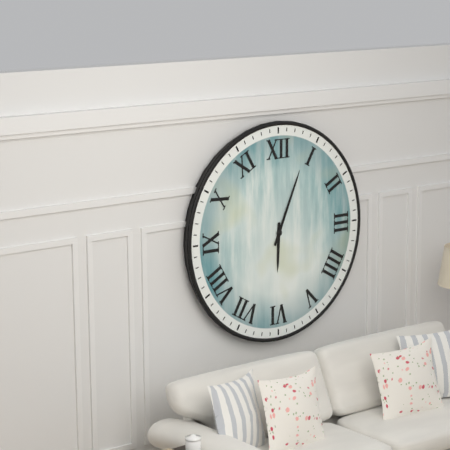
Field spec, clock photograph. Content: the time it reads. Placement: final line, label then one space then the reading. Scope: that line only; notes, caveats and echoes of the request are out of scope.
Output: 6:04
